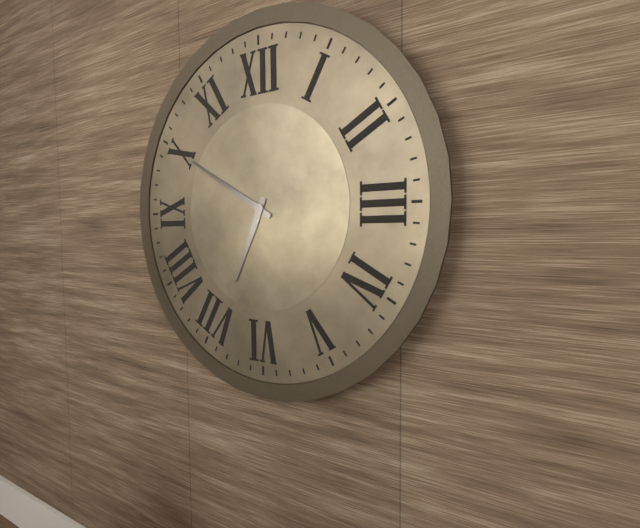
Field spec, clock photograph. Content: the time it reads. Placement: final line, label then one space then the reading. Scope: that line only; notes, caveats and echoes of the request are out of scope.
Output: 6:50
